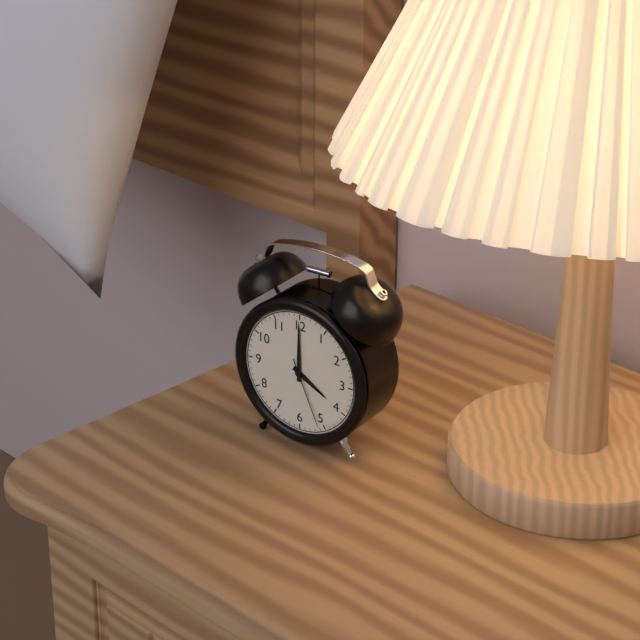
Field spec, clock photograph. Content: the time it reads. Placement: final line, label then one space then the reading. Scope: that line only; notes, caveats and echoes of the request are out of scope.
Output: 4:00:26
